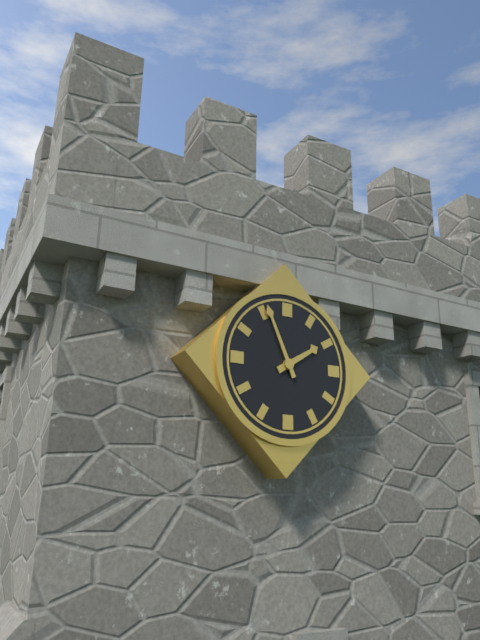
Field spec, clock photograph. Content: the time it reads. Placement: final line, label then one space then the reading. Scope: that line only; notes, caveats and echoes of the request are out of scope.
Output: 1:56
